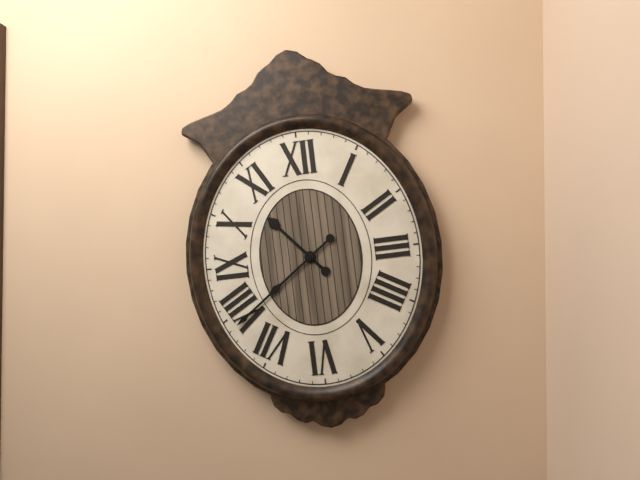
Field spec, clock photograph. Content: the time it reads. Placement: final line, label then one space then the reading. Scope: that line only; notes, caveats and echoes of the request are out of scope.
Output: 10:39
